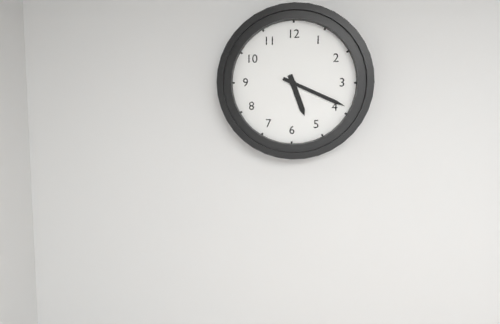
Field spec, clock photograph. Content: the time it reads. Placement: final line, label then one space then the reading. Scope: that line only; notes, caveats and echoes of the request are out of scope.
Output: 5:19
